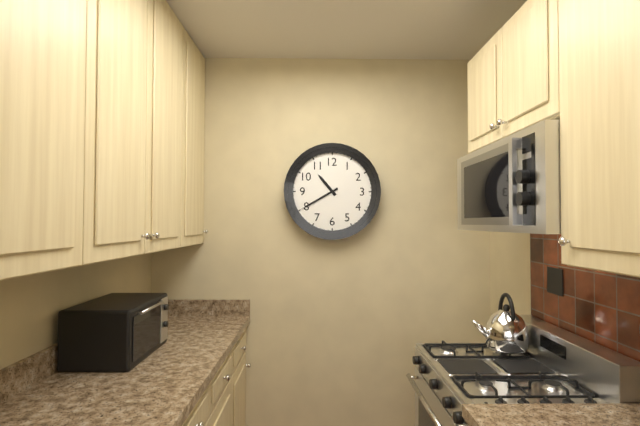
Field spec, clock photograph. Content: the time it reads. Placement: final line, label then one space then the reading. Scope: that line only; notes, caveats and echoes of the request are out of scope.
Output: 10:40
